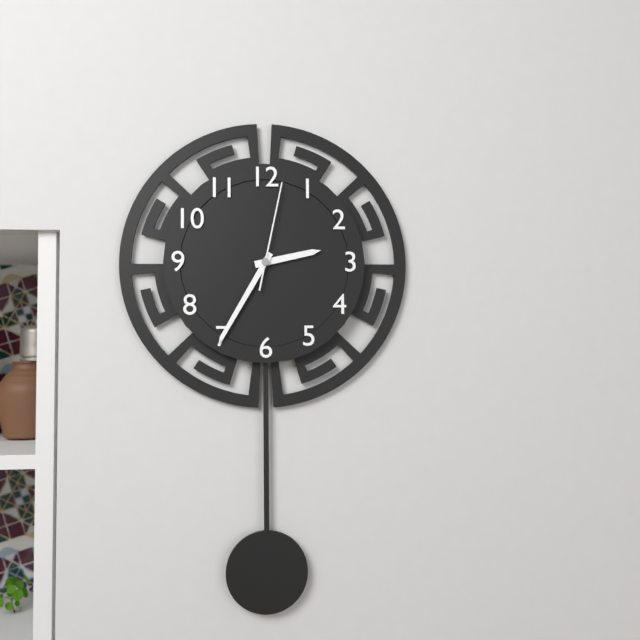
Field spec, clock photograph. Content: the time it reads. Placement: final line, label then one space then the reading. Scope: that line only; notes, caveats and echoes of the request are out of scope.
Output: 2:35:02
